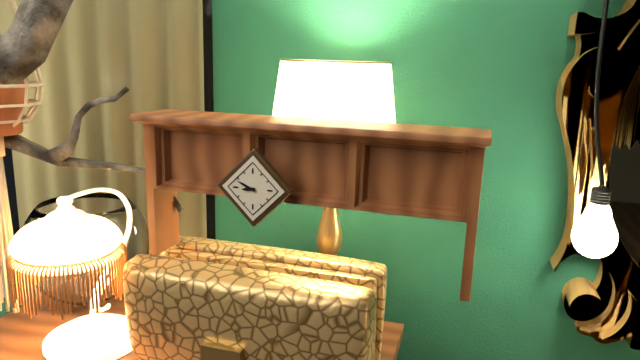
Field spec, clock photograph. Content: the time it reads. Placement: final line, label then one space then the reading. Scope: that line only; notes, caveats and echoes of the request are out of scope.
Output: 8:49
